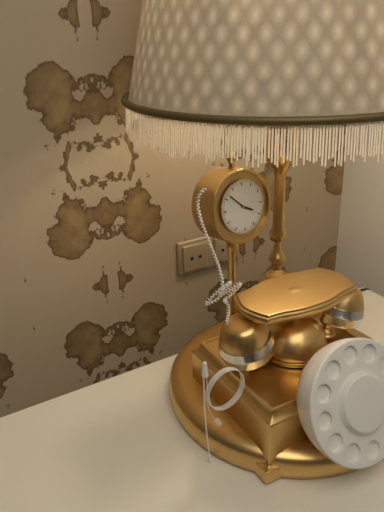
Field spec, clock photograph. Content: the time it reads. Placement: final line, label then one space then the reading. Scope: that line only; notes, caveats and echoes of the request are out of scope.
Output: 3:52
